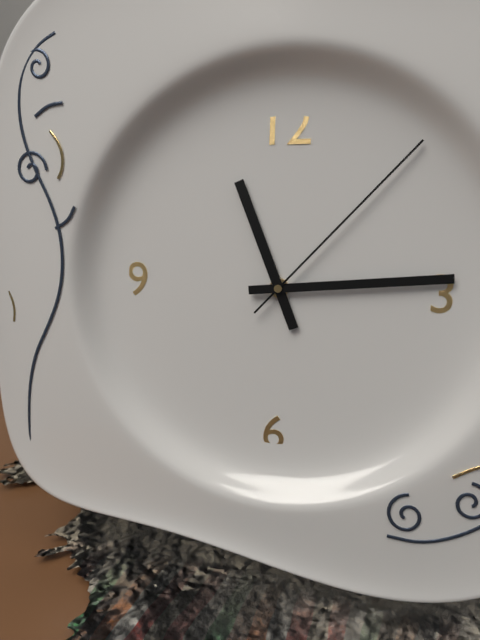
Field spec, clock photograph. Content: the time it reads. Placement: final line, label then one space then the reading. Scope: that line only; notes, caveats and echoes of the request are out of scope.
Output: 11:14:07
